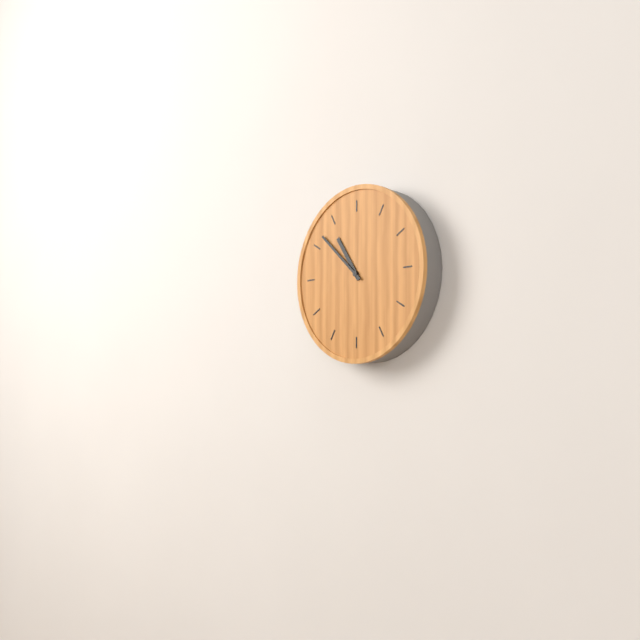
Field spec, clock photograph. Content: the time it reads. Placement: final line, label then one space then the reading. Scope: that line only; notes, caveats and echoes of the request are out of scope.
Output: 10:52
